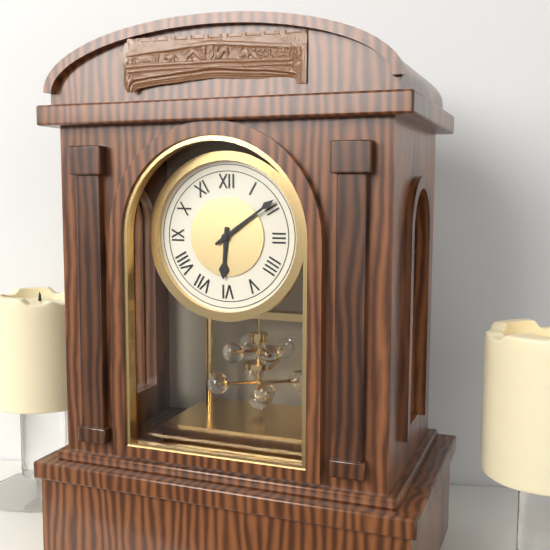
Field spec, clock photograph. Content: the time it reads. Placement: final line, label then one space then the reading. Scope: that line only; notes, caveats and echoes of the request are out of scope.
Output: 6:09
